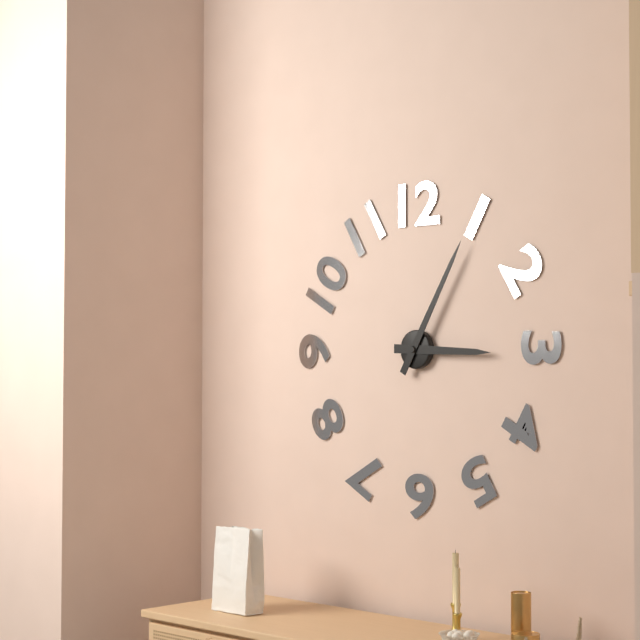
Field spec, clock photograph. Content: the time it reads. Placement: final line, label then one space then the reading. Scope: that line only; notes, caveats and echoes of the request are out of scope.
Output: 3:05
